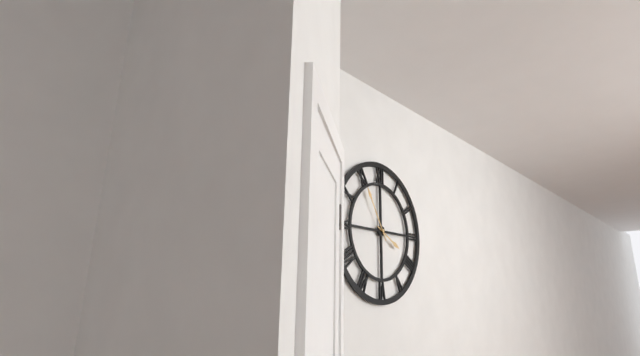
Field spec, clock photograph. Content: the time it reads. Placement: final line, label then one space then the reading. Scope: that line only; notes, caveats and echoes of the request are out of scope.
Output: 3:55
